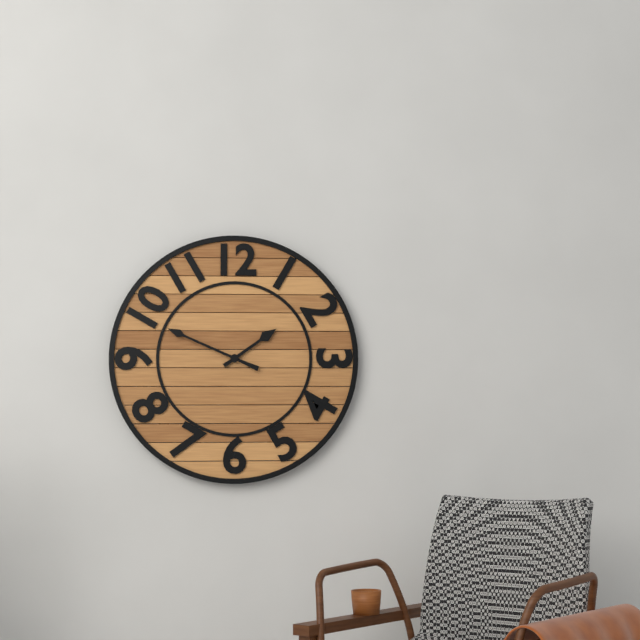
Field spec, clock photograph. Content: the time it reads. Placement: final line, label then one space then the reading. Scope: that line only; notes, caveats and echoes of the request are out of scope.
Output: 1:49
